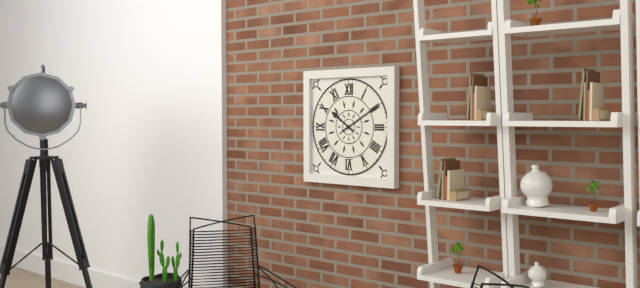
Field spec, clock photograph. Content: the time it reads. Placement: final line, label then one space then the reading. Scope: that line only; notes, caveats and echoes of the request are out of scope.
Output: 10:10
